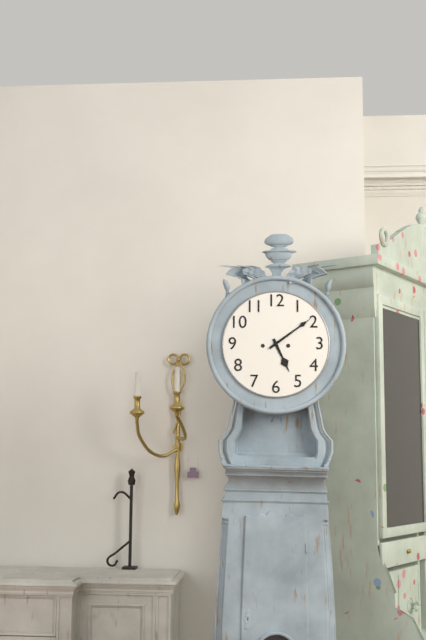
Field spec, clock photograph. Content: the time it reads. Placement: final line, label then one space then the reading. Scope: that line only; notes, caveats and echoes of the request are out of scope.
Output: 5:09
